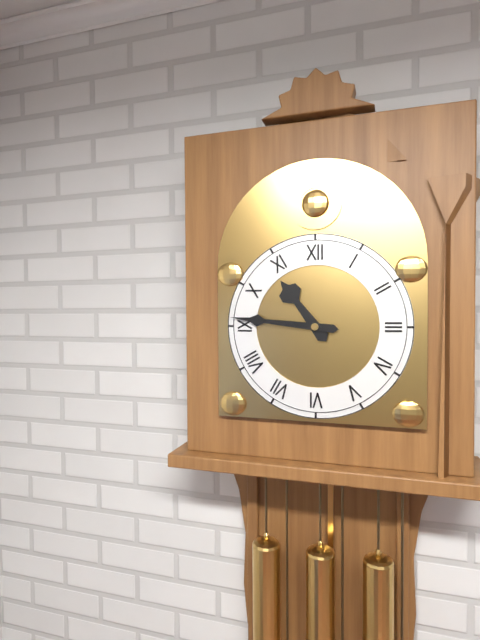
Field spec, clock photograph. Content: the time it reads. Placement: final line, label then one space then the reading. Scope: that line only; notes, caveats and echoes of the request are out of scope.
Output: 10:46
